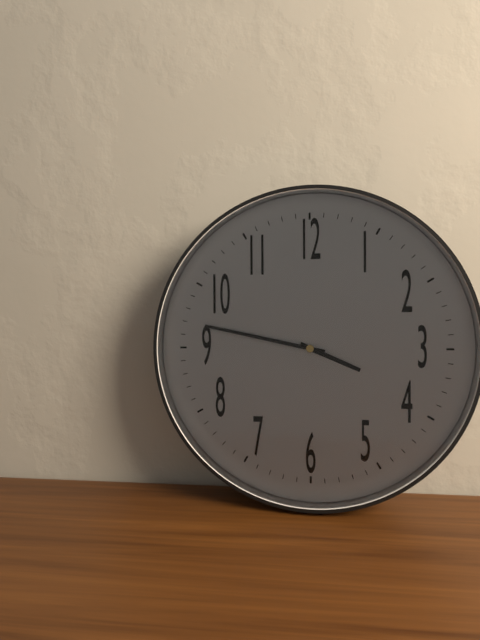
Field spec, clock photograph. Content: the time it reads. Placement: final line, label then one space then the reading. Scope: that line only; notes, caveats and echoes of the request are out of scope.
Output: 3:47
